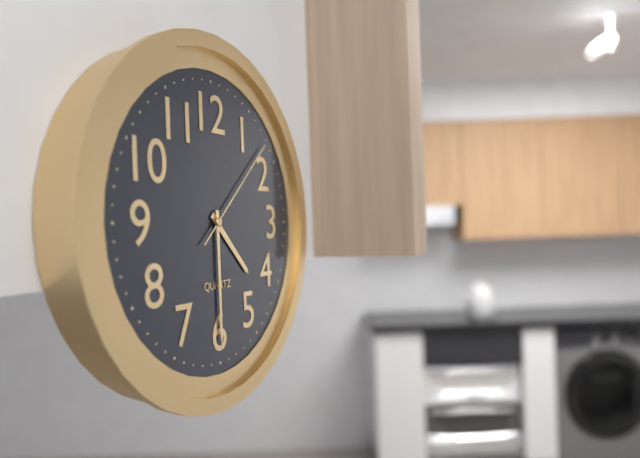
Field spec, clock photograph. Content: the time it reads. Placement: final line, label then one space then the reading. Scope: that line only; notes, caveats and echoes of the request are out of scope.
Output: 4:30:08
